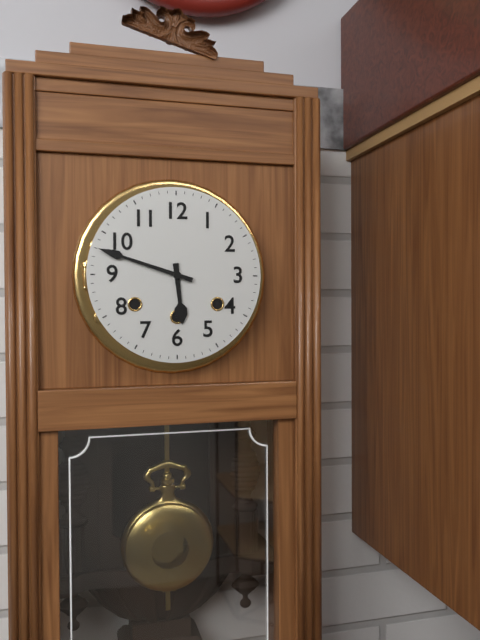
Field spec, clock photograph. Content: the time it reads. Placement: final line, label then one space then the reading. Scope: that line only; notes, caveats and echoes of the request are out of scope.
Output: 5:48
